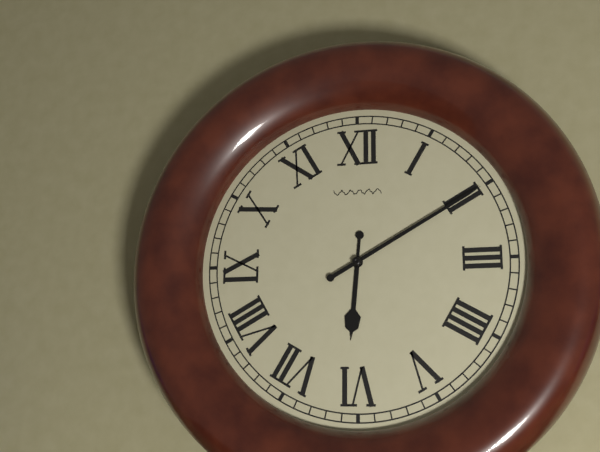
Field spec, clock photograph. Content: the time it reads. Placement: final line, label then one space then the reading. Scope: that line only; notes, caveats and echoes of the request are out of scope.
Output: 6:10
